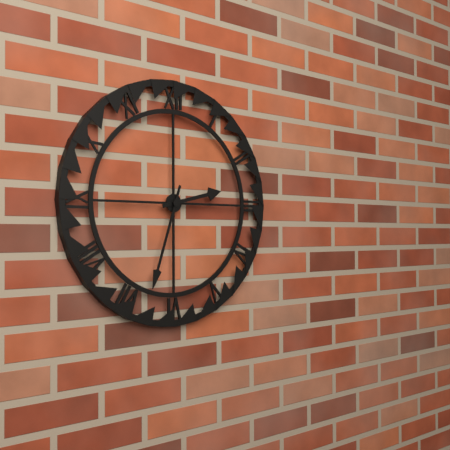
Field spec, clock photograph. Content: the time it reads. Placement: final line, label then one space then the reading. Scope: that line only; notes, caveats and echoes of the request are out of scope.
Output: 2:33
